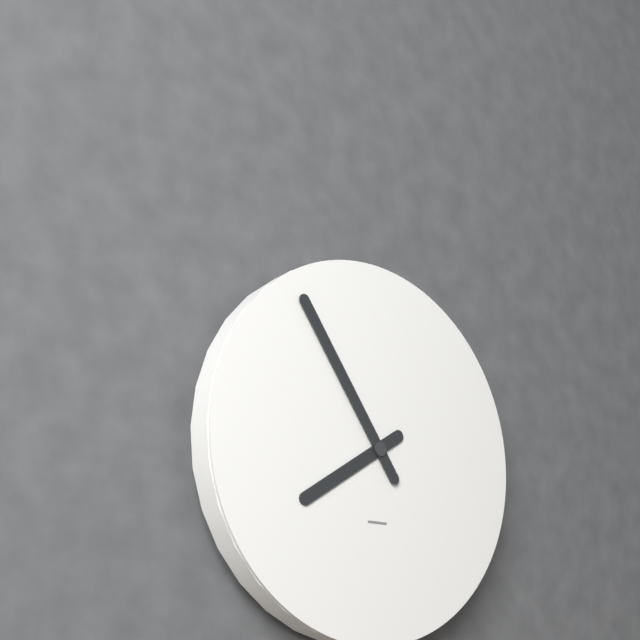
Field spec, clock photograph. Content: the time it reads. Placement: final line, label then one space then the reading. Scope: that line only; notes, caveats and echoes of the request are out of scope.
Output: 7:54
